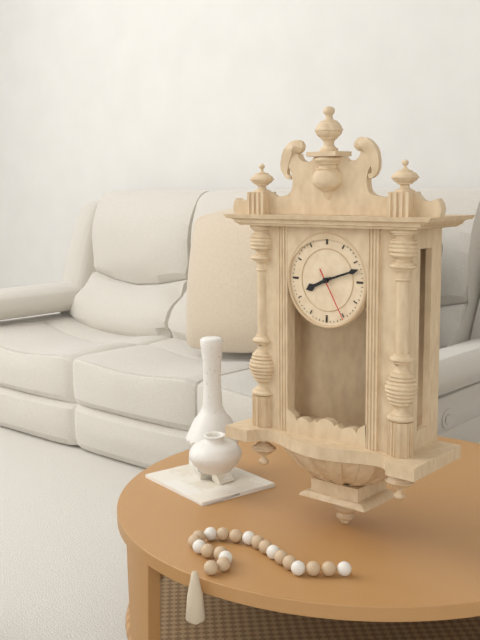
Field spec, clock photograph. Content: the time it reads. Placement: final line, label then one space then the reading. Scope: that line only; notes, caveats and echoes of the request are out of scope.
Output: 8:12:25
